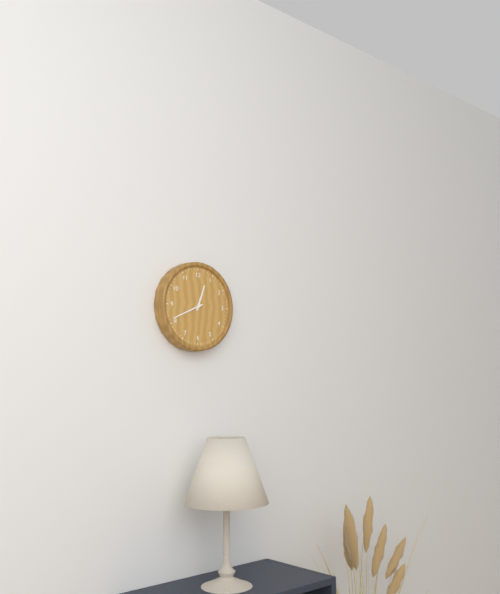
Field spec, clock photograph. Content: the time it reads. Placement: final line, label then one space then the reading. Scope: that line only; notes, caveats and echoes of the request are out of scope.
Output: 12:41
